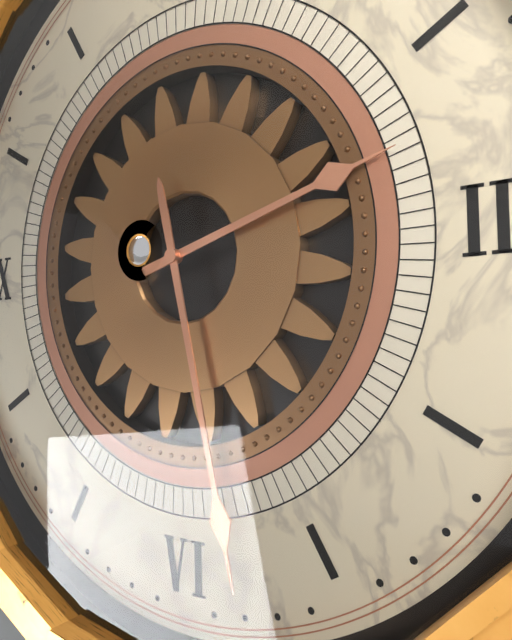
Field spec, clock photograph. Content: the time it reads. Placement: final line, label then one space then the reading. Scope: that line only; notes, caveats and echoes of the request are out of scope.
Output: 2:28
